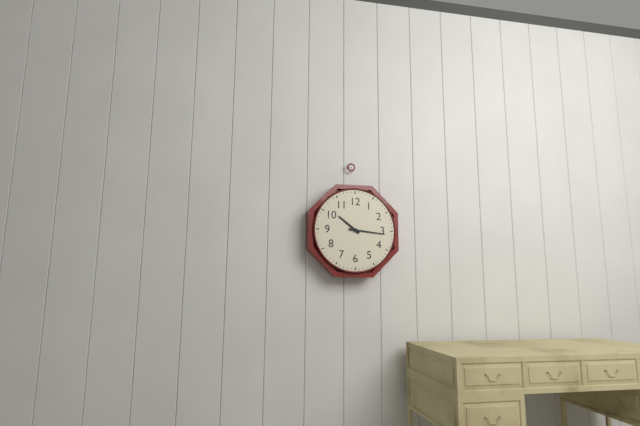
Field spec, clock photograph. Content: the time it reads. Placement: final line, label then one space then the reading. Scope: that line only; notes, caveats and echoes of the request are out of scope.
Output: 10:16
